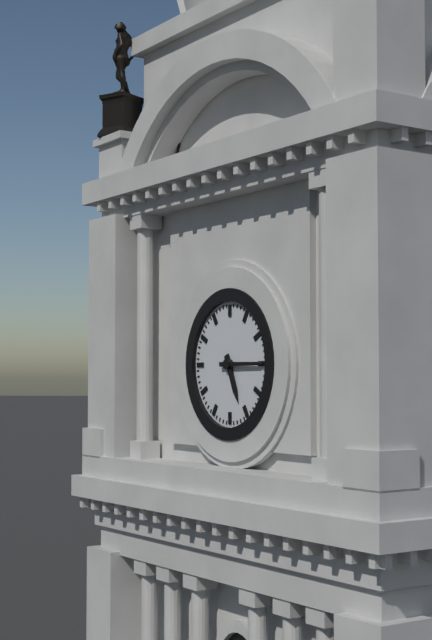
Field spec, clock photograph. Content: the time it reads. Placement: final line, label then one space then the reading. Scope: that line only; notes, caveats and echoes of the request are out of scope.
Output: 5:15
